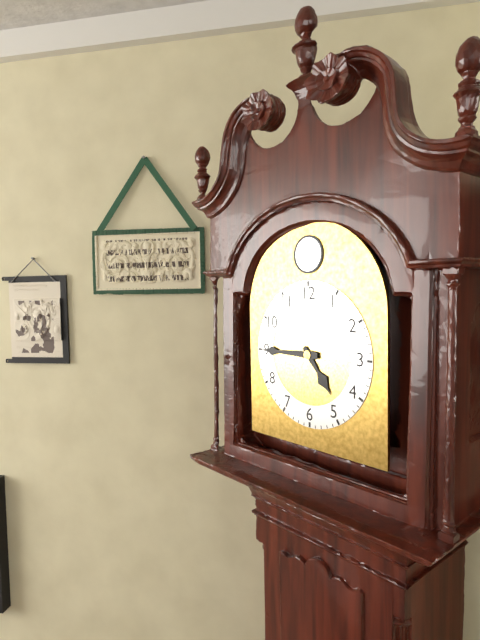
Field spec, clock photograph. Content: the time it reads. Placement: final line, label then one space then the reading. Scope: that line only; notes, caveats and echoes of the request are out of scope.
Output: 4:45
